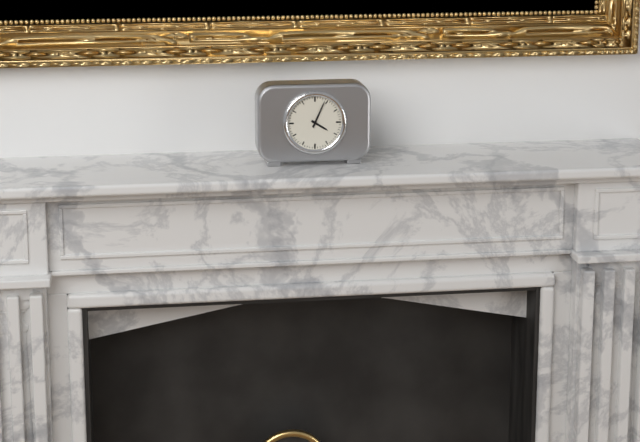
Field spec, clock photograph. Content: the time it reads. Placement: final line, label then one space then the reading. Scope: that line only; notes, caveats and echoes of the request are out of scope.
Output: 4:04
